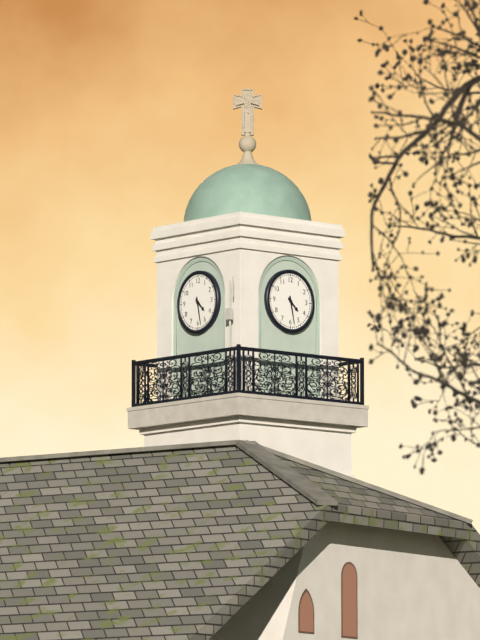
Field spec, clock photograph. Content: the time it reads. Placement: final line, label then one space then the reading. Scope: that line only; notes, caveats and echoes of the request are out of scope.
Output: 4:28
